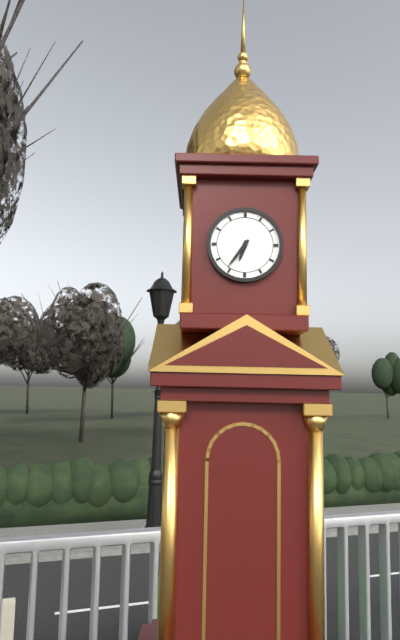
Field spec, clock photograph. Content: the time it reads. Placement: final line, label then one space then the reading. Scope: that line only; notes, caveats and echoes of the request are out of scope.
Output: 6:36
